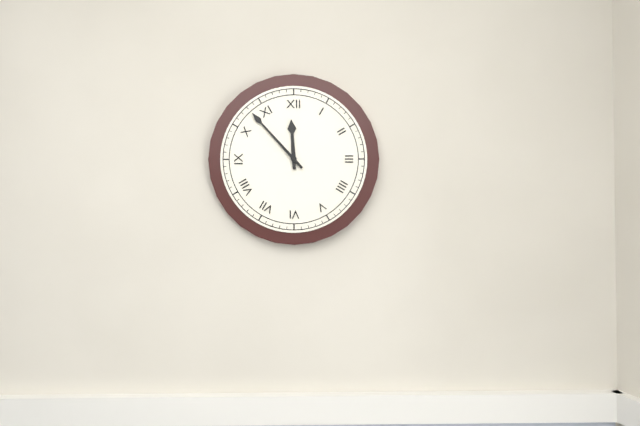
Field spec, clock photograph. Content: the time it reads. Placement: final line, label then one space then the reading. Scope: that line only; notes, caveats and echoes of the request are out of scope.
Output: 11:53
